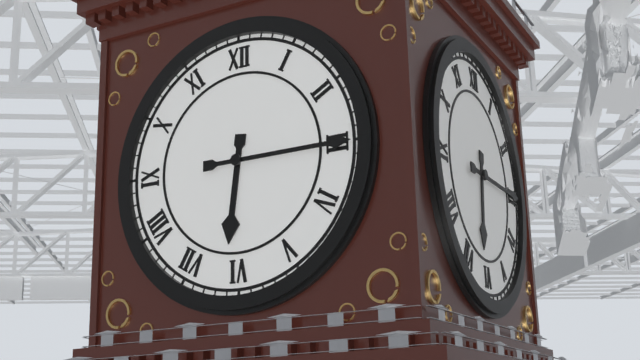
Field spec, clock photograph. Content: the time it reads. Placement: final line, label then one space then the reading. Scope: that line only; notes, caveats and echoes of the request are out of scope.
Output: 6:15
